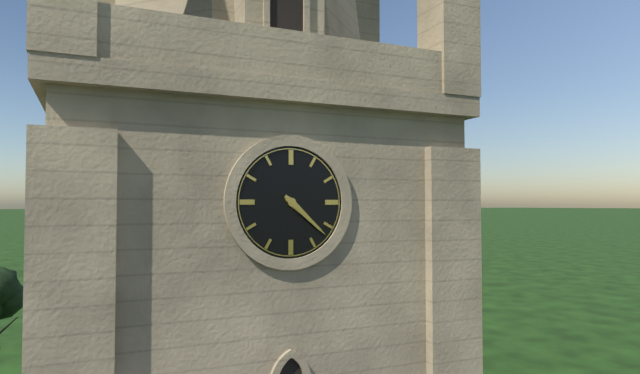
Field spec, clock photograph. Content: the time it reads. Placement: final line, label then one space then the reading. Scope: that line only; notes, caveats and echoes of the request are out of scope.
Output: 4:22
